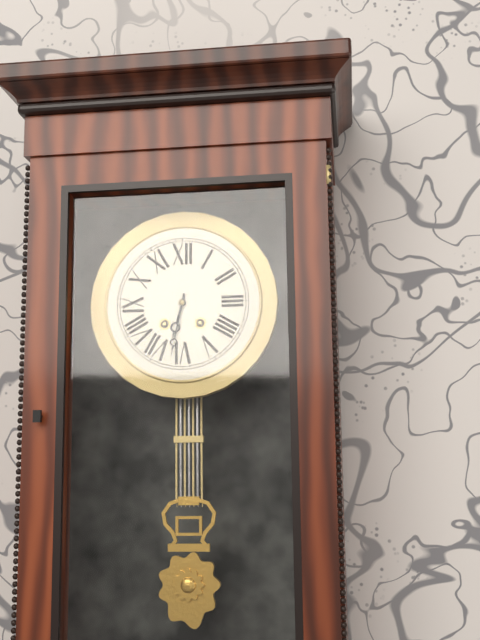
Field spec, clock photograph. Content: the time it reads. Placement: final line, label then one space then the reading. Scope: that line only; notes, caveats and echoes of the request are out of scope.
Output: 6:32
